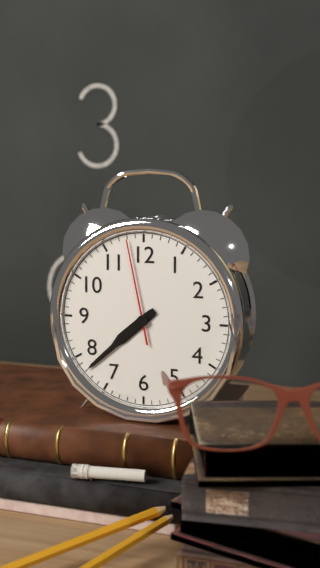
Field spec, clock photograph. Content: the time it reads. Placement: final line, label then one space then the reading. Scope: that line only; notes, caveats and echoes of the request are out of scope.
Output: 7:38:58
